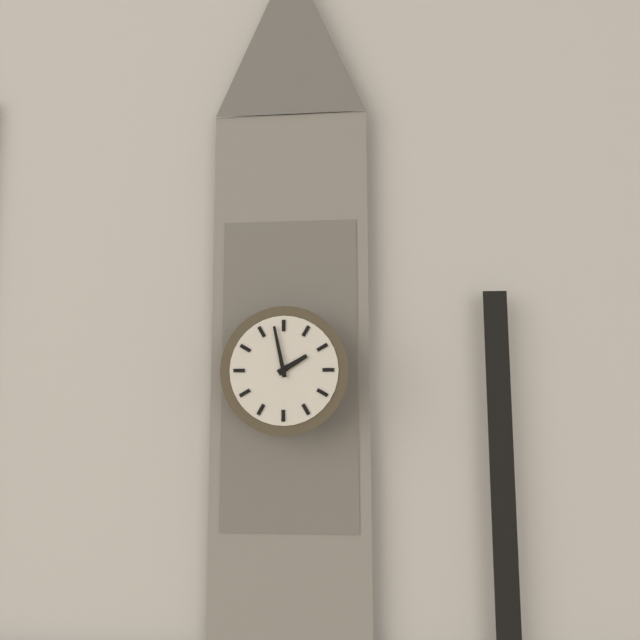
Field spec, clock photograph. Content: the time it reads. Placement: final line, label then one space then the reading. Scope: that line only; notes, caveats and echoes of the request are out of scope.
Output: 1:58
